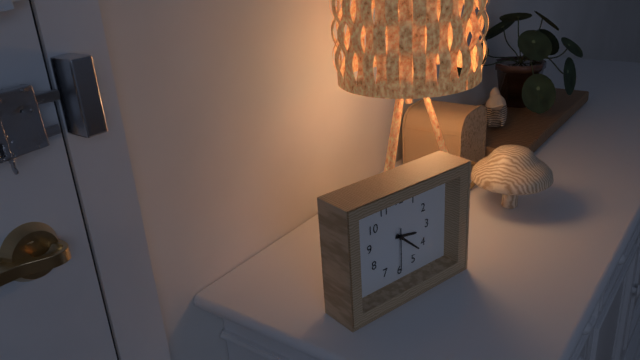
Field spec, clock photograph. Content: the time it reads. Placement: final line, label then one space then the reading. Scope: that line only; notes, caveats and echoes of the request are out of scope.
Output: 3:22
